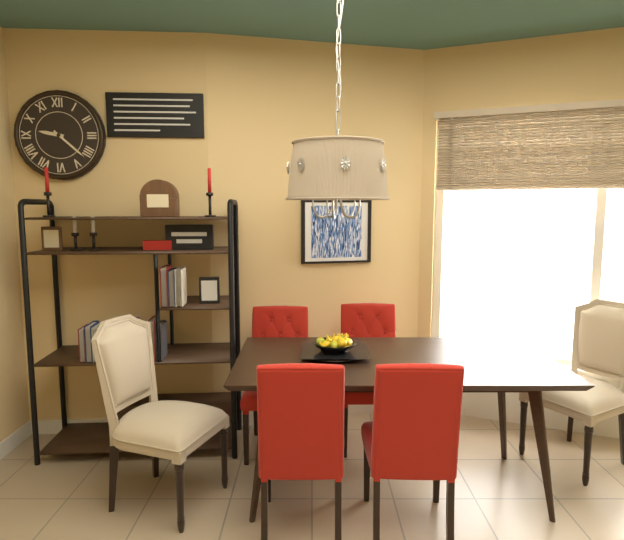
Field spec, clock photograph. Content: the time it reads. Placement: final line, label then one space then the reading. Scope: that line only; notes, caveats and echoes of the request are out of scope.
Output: 9:22
